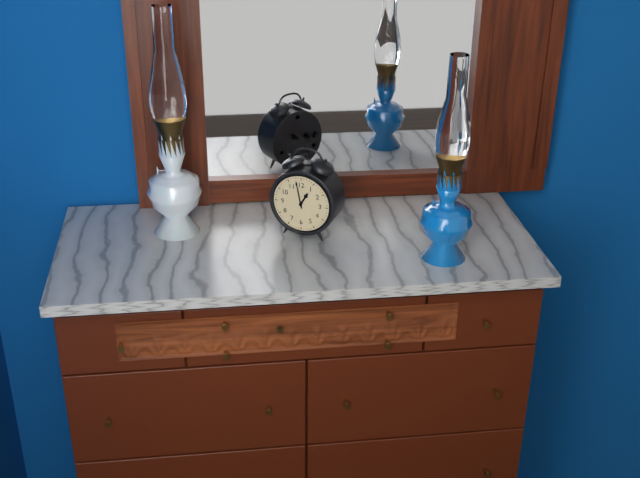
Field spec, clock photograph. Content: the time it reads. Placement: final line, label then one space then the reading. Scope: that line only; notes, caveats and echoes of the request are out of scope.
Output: 12:58
